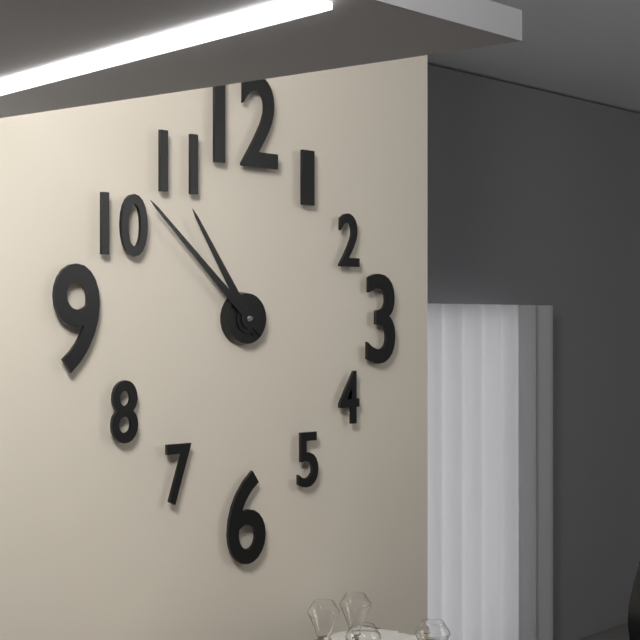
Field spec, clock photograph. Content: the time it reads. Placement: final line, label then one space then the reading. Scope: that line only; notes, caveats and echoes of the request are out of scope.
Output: 10:52
